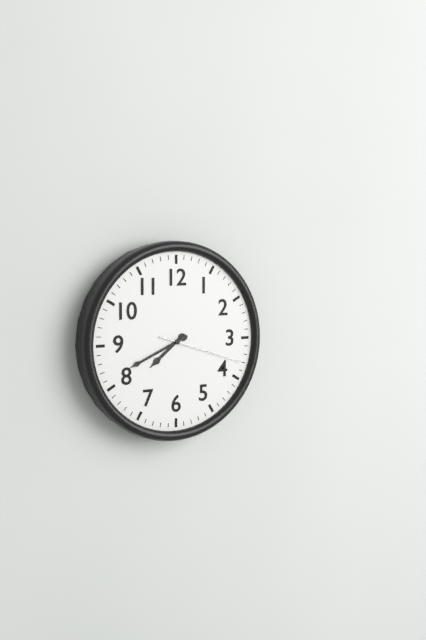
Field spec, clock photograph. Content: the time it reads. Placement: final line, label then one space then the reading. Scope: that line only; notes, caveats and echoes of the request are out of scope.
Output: 7:41:18
